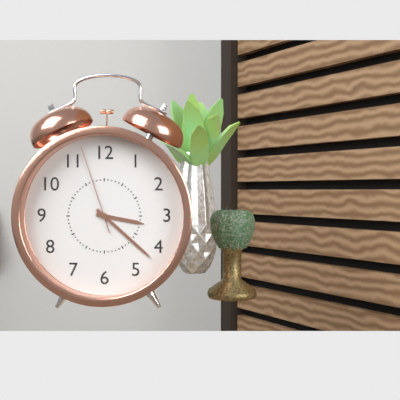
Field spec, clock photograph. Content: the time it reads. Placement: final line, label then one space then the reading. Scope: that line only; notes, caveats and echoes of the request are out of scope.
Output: 3:22:57
